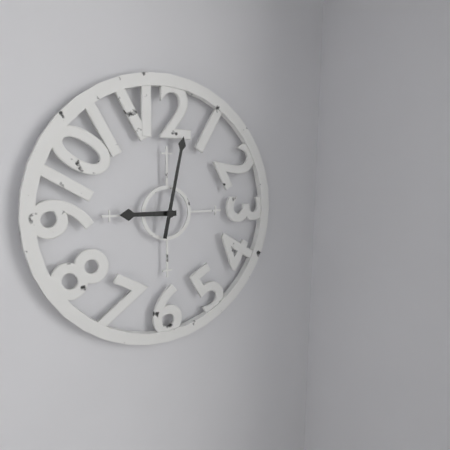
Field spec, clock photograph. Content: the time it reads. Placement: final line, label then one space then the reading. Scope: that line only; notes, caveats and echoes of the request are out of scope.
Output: 9:02
